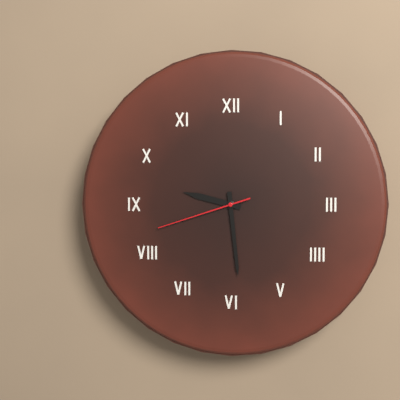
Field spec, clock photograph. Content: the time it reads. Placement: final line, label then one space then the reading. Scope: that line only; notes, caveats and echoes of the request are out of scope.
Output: 9:29:42
